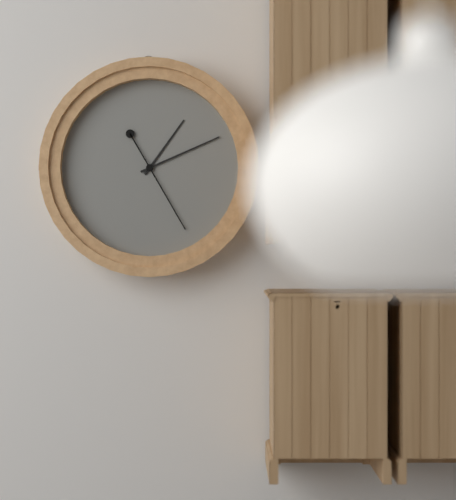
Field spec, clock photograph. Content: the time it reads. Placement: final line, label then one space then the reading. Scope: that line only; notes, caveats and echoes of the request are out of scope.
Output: 1:11:25
